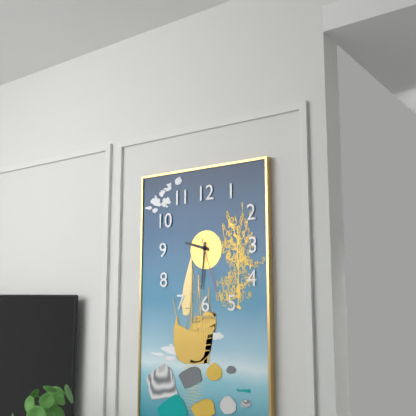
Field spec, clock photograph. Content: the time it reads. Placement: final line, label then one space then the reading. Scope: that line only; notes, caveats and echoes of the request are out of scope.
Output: 9:31:27
